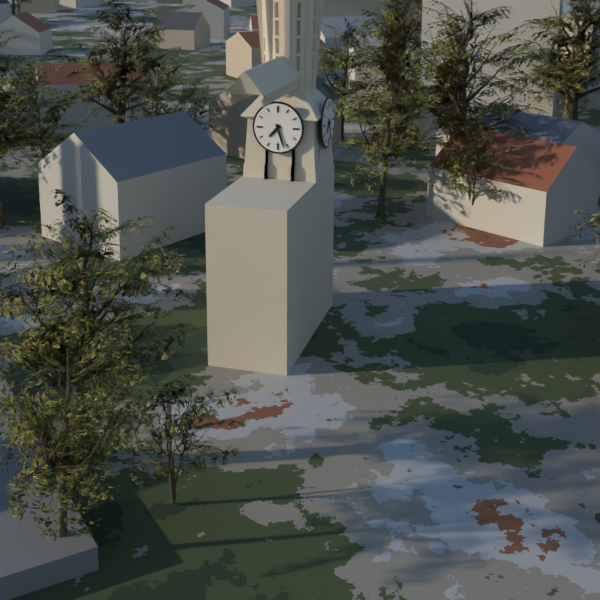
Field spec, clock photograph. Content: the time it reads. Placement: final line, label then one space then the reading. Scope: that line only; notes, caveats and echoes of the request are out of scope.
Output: 7:27
